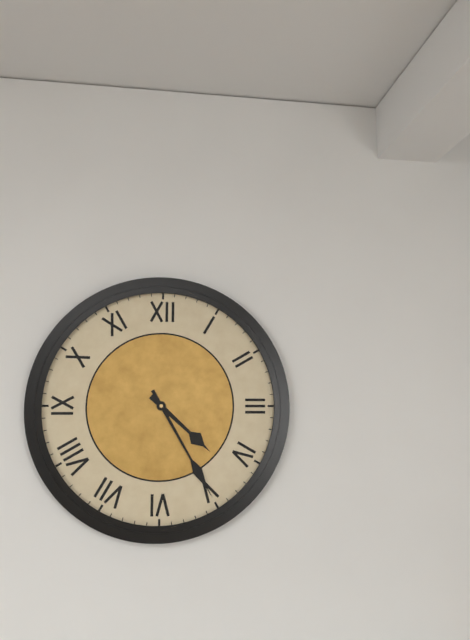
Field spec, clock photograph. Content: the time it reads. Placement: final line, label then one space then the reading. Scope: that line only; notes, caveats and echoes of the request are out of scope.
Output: 4:25
